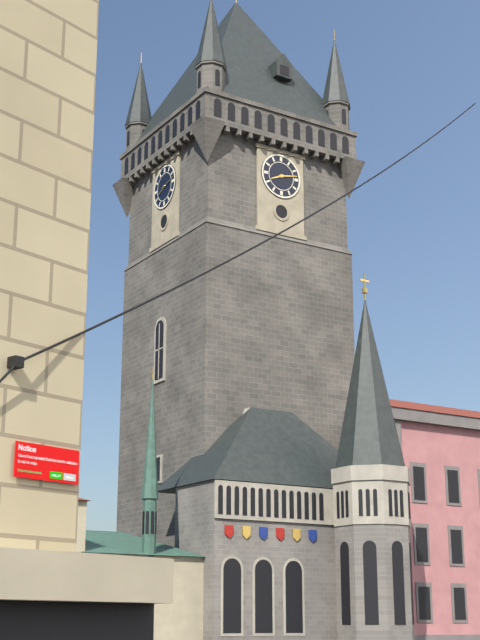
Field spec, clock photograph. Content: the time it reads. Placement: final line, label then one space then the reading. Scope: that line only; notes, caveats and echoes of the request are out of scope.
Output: 8:13
